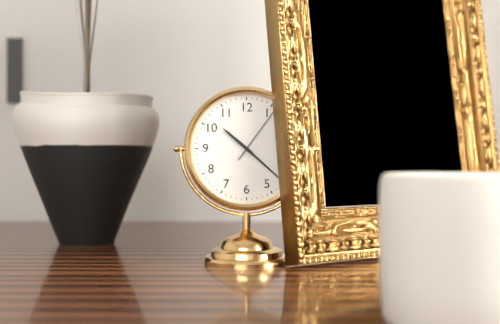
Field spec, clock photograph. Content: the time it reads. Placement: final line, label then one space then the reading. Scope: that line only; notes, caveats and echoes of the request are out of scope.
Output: 10:22:06
